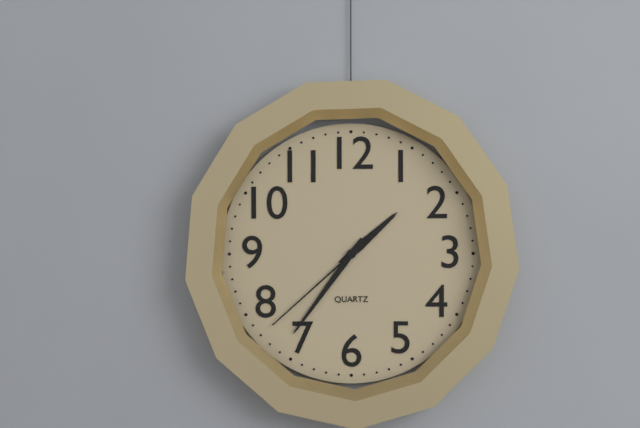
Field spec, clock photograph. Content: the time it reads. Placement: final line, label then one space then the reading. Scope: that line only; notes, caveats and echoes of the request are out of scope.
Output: 1:36:38
